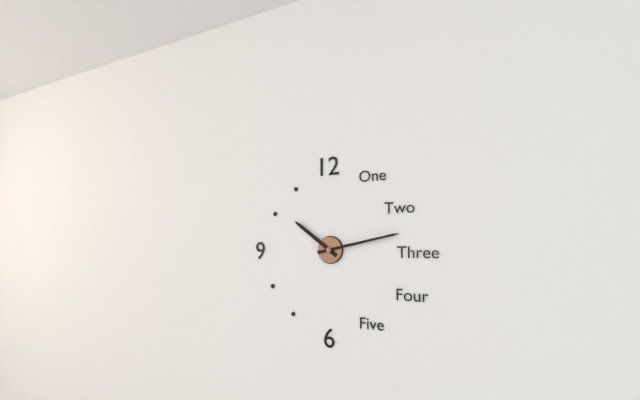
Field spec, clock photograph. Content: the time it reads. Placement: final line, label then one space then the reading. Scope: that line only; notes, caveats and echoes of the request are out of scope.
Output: 10:13
